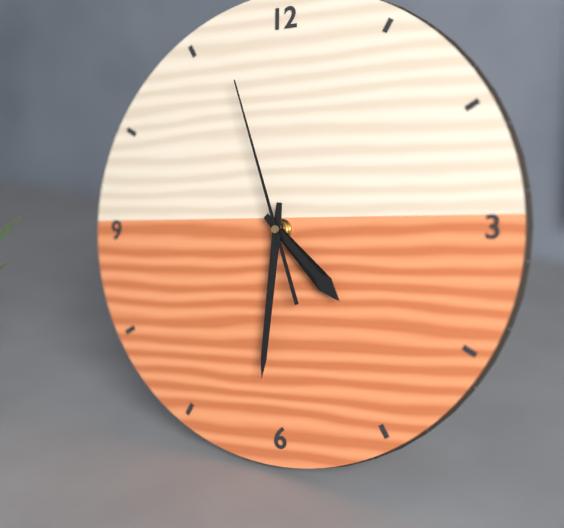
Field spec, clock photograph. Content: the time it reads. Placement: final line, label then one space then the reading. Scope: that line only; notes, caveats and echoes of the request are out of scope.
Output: 4:31:57
